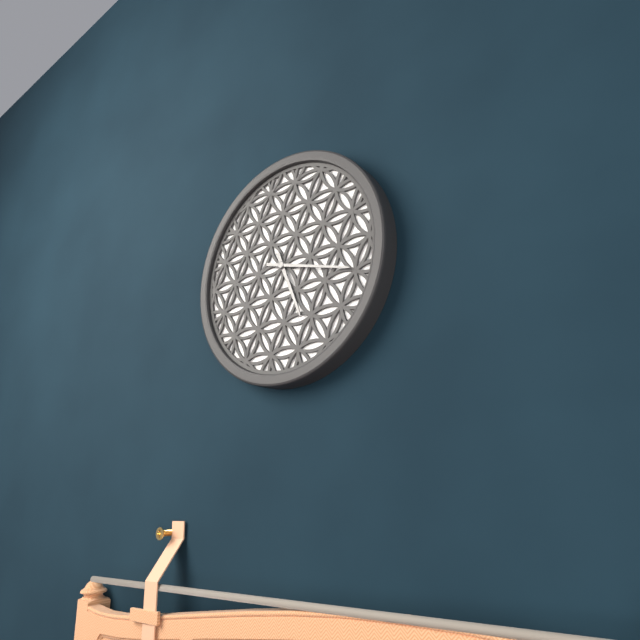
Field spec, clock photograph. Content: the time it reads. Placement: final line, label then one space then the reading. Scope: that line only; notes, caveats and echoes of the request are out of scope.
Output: 5:18
